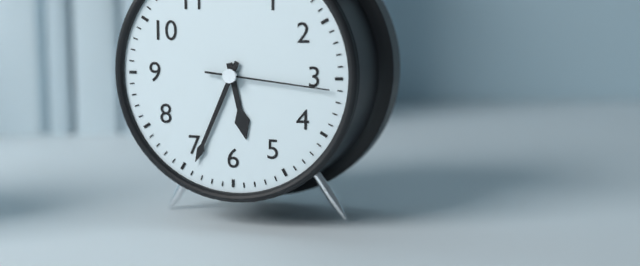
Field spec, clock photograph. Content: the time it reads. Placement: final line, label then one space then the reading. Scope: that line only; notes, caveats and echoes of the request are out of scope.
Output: 5:34:16
